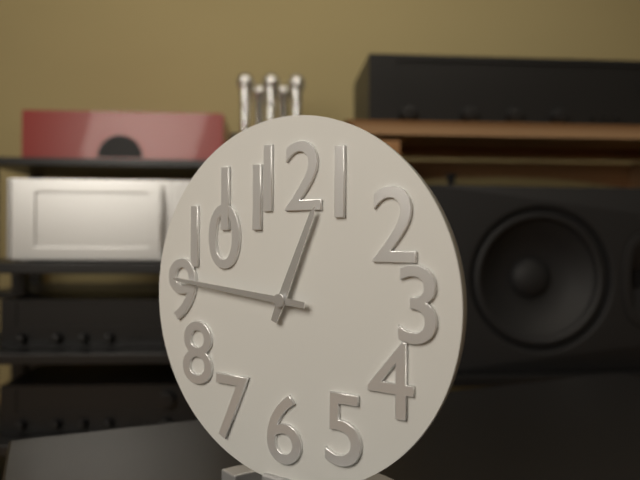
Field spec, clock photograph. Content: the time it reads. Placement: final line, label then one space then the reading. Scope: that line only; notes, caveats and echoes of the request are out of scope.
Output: 12:46
